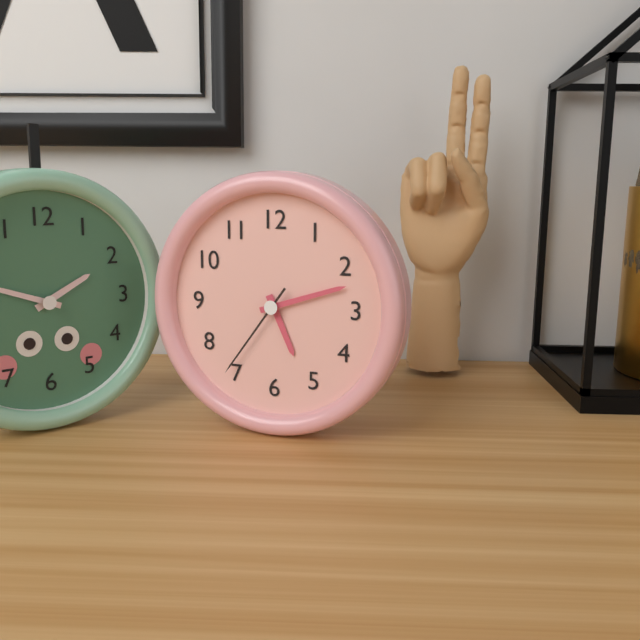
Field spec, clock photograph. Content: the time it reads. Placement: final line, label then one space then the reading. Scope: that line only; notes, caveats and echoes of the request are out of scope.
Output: 5:12:36
